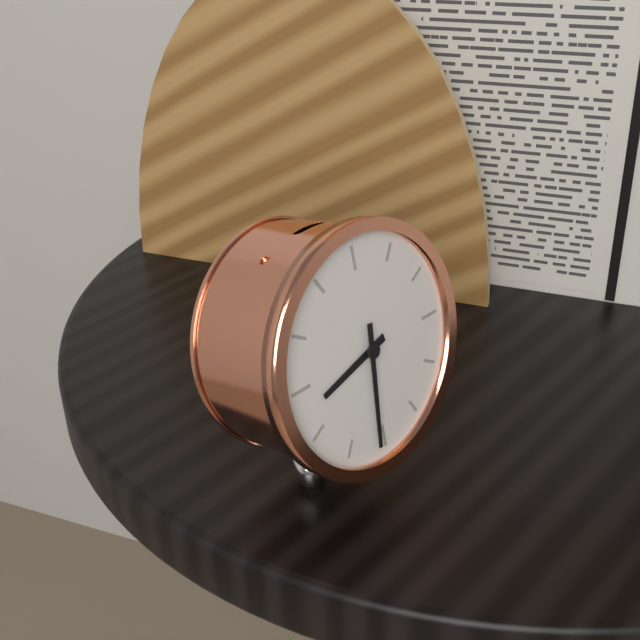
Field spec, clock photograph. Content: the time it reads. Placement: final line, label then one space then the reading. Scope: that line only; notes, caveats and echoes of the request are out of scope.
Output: 8:31
